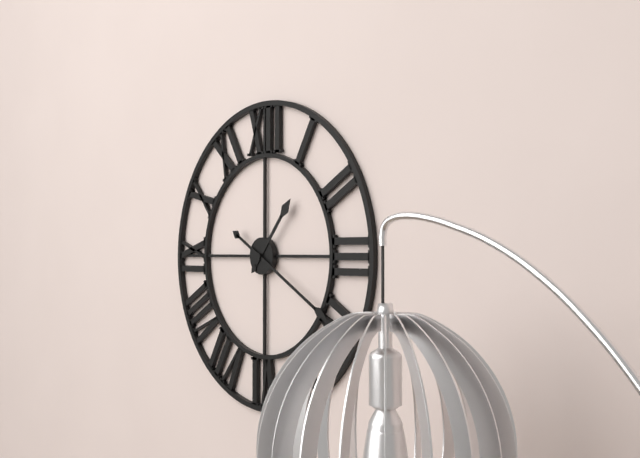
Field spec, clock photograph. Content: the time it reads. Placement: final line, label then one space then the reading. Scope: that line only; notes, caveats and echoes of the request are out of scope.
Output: 1:20
